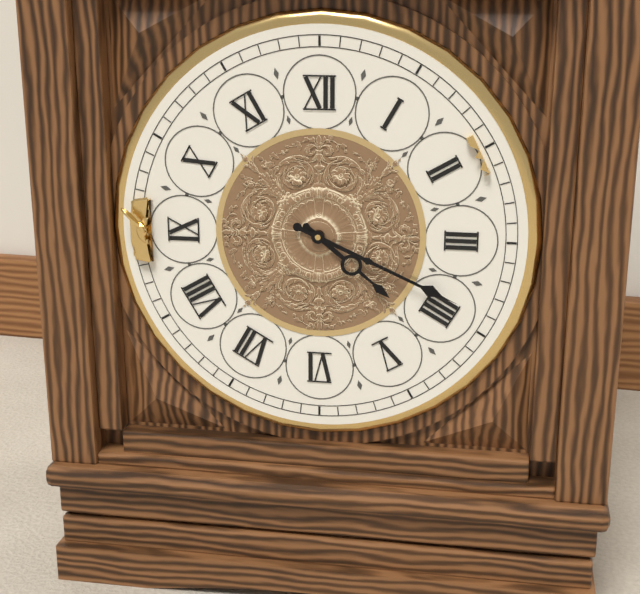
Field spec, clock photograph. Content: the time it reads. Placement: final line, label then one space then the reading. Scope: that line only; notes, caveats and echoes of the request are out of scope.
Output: 4:19
